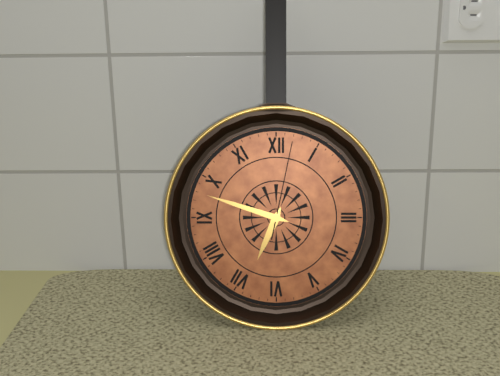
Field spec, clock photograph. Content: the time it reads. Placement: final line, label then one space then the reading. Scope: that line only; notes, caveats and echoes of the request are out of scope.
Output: 6:48:02
